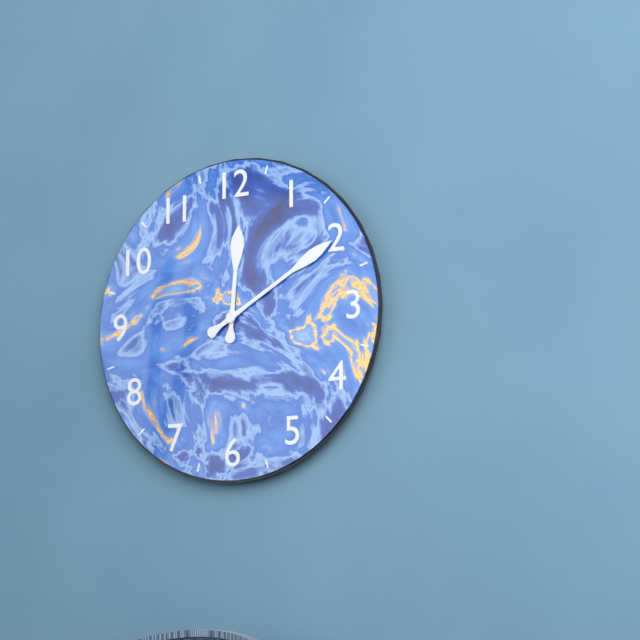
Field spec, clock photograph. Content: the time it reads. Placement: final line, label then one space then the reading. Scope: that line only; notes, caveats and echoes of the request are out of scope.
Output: 12:10
